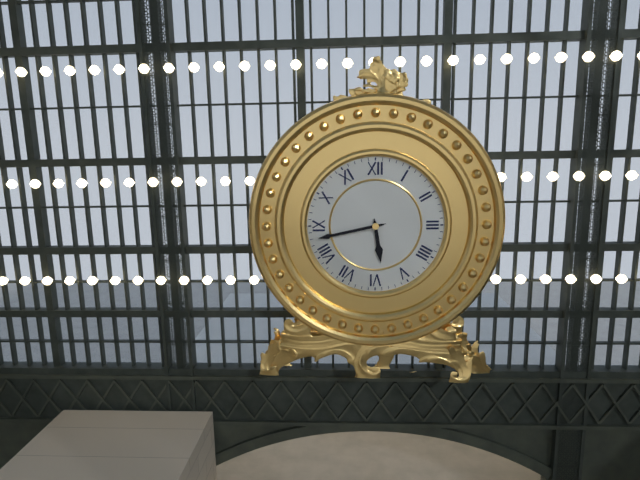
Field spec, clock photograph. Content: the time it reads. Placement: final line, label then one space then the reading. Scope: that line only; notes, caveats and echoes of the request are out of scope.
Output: 5:43
